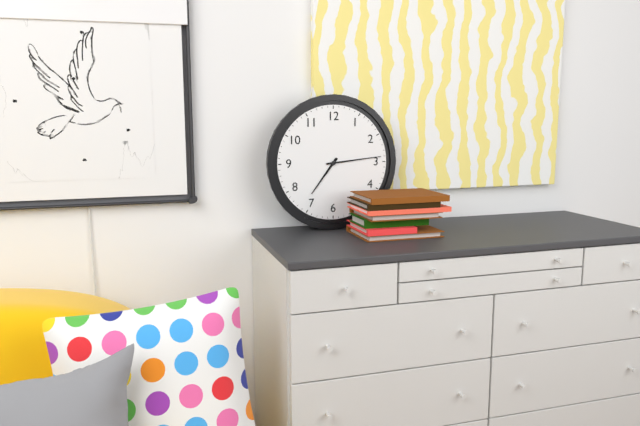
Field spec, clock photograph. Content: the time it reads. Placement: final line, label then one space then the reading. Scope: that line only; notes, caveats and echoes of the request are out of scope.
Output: 7:14
